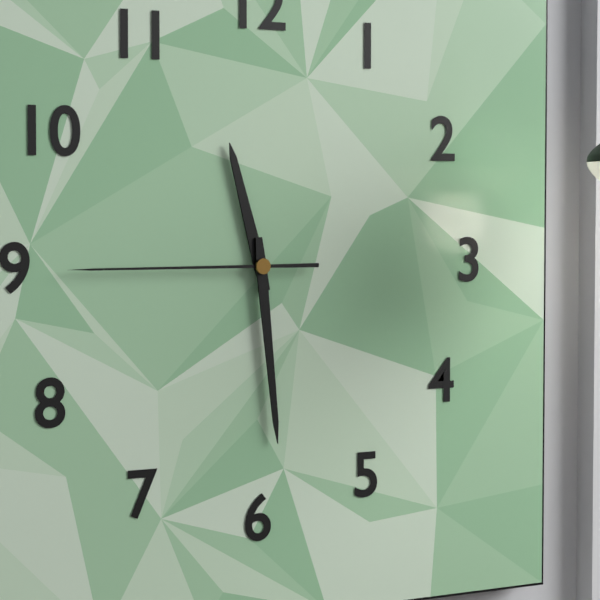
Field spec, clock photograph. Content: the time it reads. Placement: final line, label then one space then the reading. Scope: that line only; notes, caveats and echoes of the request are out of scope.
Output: 11:29:45
